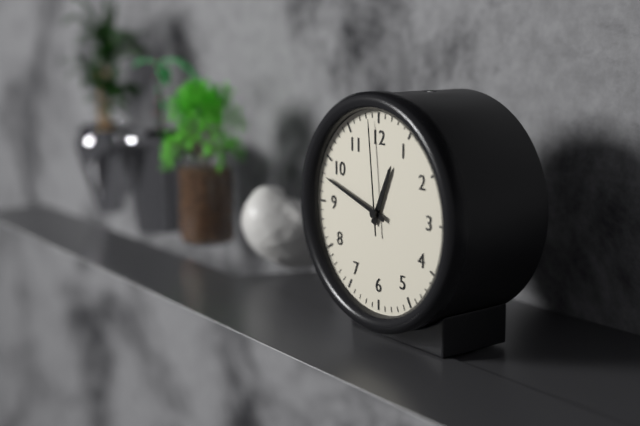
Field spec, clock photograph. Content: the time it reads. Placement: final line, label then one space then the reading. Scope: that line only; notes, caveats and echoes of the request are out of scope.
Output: 12:48:59
